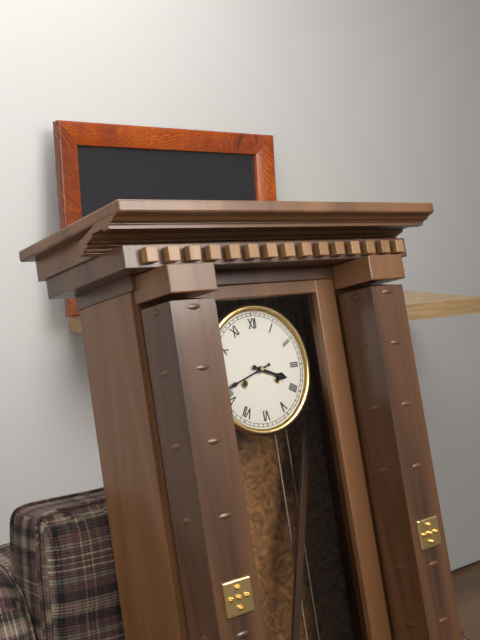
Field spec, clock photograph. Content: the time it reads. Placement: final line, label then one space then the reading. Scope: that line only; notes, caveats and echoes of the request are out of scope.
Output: 3:42
